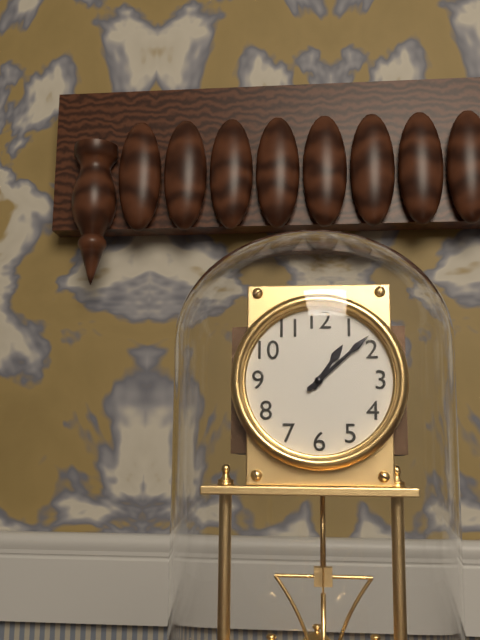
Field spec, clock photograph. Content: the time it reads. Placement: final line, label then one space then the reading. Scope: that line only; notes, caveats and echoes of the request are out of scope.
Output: 1:08
